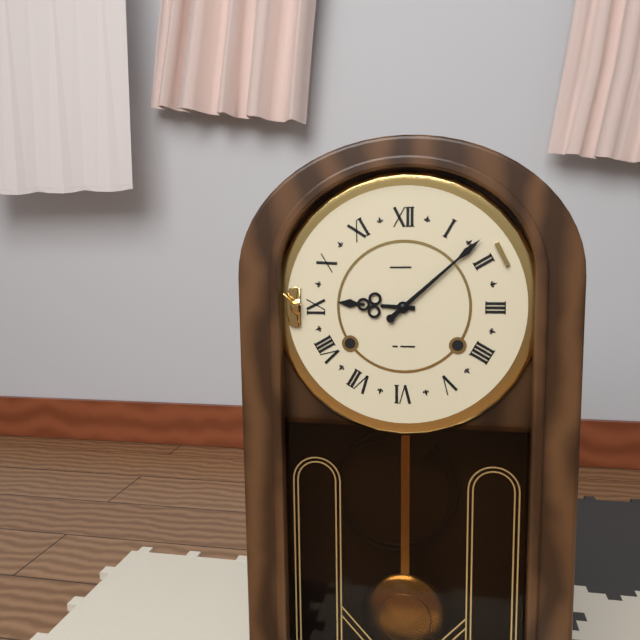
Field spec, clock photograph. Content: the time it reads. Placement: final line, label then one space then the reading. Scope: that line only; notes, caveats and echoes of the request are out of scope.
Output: 9:08
